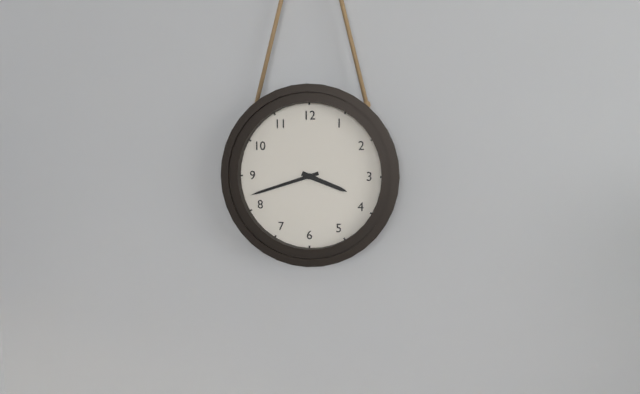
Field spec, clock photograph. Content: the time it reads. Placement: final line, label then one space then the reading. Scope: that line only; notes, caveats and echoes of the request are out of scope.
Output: 3:42
